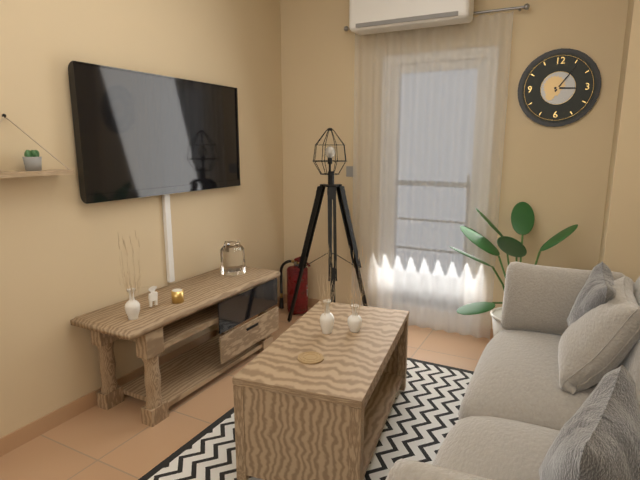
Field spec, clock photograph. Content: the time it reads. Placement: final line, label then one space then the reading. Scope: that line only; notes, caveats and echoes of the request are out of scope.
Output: 3:06
